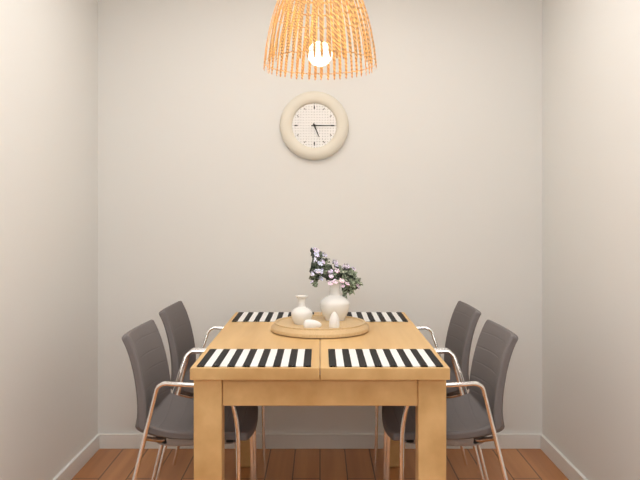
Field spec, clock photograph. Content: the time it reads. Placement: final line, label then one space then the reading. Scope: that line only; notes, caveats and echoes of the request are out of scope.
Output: 5:15
